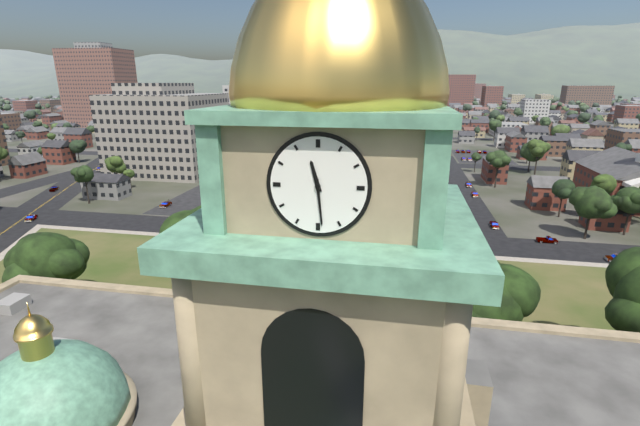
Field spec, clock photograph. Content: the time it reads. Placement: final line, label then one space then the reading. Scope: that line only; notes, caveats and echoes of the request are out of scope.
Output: 11:29
